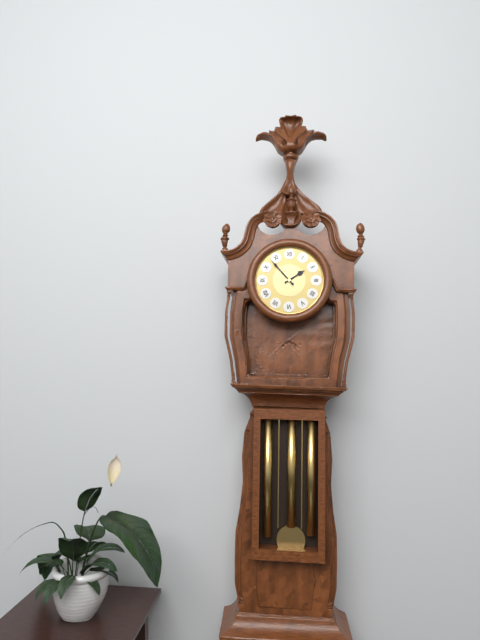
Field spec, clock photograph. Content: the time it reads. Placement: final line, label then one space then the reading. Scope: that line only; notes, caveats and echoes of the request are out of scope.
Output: 1:53
